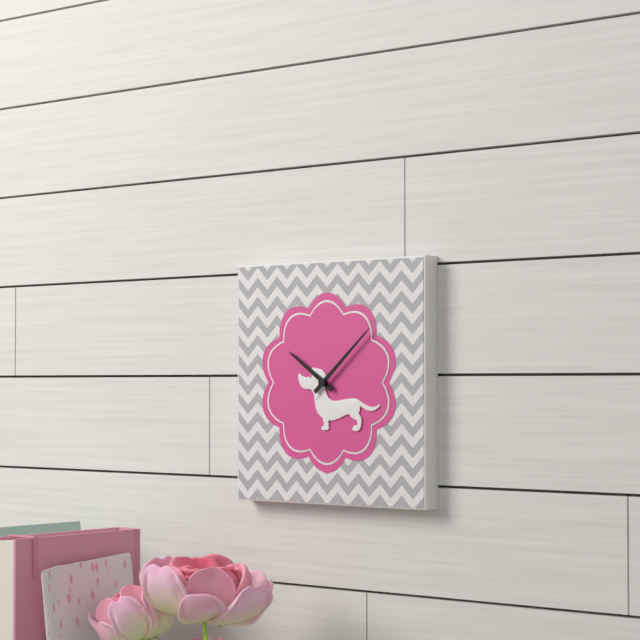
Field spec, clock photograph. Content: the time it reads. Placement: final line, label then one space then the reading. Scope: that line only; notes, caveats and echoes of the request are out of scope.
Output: 10:08
